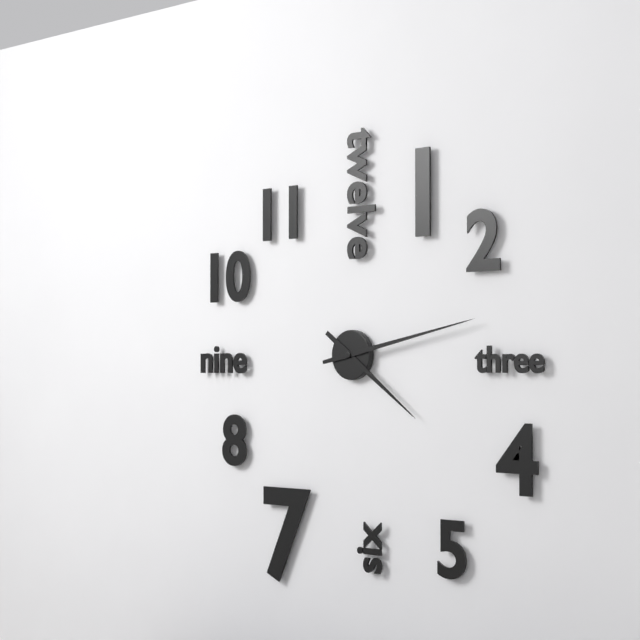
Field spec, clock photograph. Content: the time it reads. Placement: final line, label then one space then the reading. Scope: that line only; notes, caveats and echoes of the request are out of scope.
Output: 4:13
